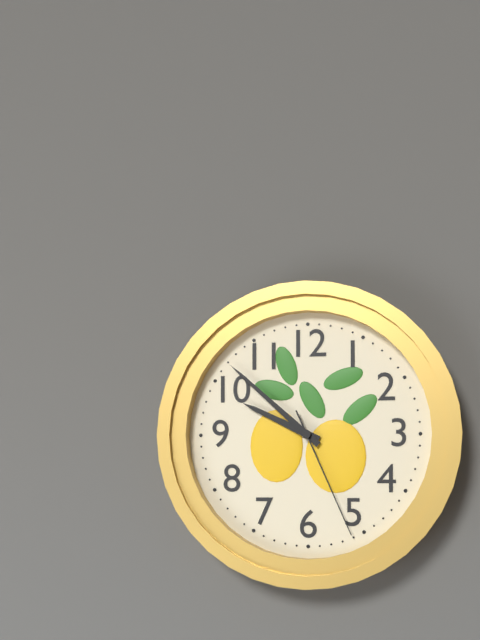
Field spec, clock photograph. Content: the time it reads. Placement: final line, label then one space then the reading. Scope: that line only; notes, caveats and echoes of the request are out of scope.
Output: 9:52:26
